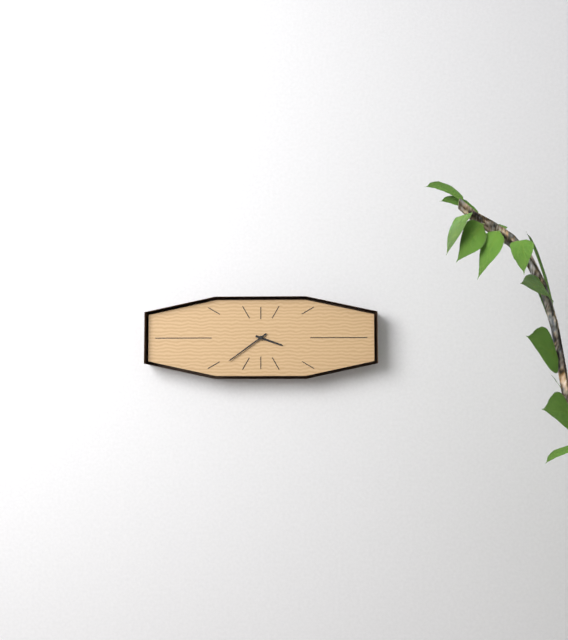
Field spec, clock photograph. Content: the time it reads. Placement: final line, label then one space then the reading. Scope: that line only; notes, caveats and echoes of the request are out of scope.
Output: 3:39
